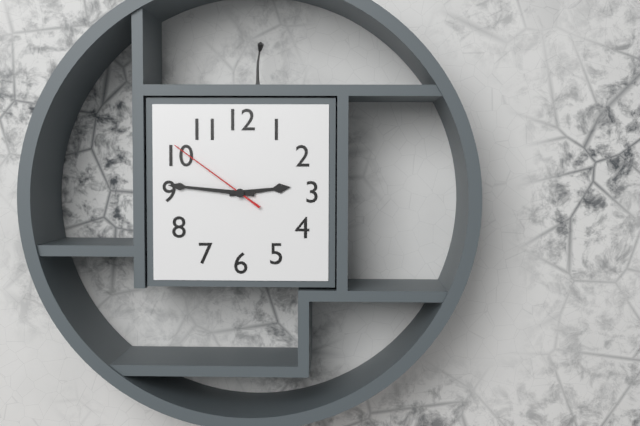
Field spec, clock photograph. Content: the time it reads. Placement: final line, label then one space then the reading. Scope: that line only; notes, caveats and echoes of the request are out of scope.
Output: 2:46:51
